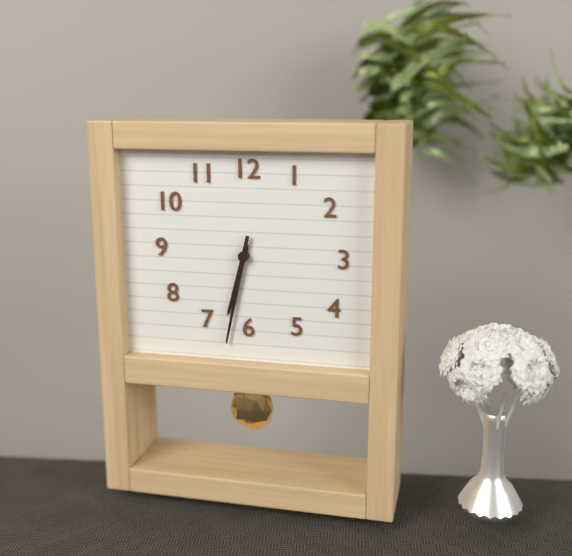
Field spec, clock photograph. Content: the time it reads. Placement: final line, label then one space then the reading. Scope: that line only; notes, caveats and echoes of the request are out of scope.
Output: 6:32
